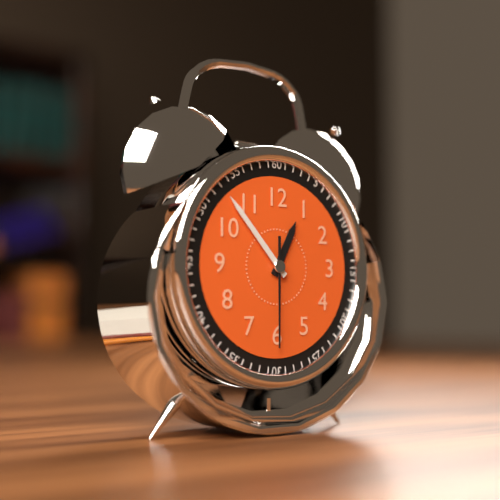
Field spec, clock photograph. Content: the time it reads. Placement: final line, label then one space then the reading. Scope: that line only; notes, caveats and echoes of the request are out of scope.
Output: 12:53:30
